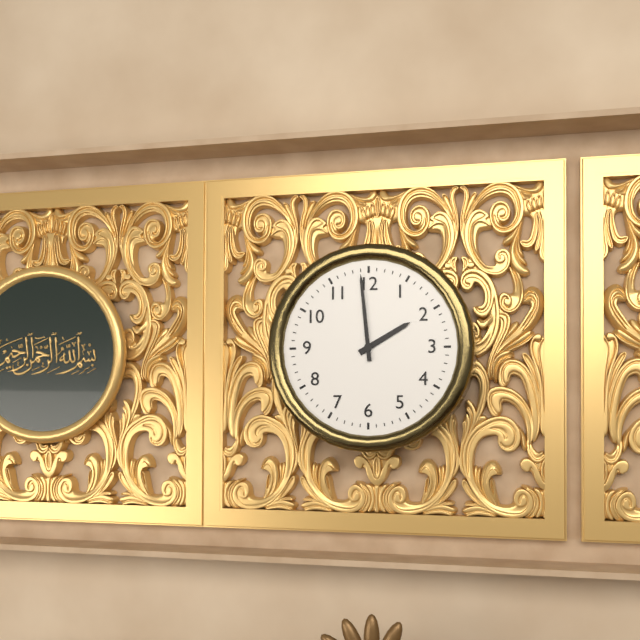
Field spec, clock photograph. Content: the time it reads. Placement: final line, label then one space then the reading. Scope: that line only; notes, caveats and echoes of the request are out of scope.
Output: 1:59
